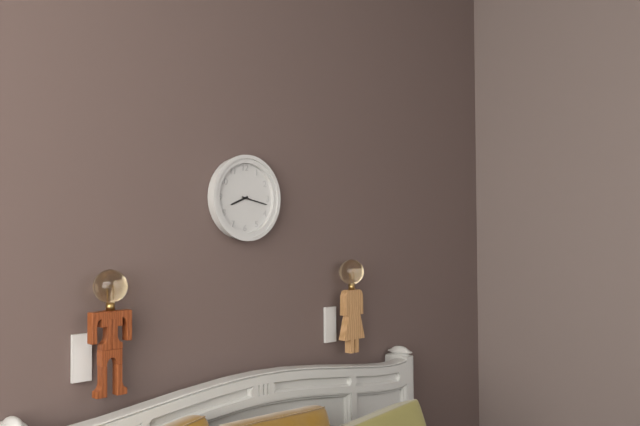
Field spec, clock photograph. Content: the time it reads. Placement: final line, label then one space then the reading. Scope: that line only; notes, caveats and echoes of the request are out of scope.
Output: 8:17
